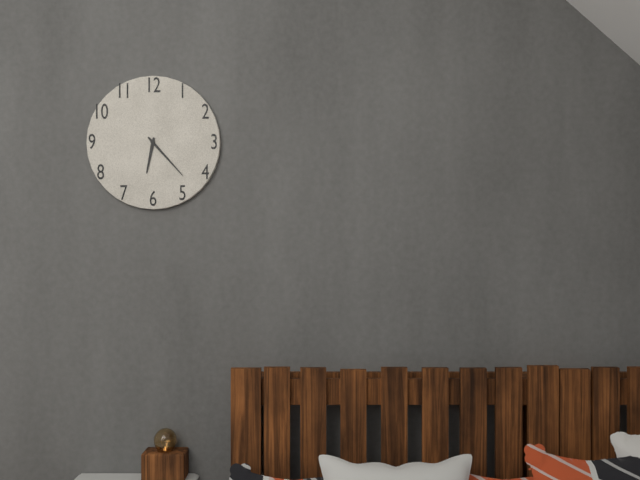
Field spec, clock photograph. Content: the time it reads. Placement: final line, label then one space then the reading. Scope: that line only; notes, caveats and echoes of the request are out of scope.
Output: 6:23
